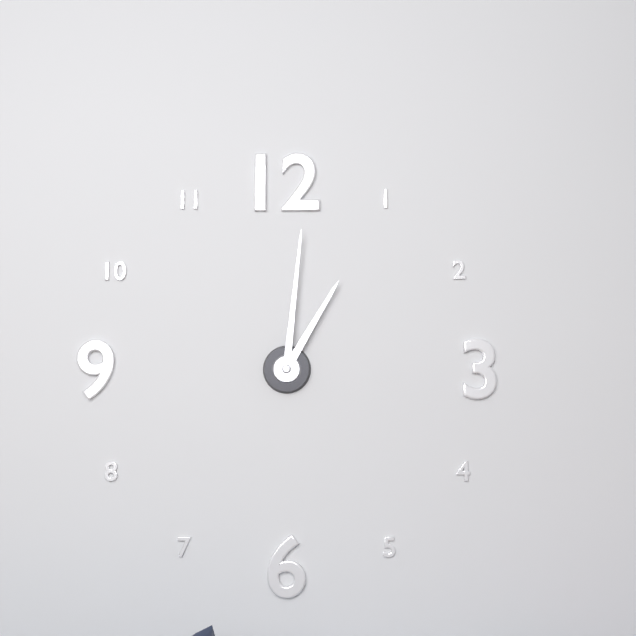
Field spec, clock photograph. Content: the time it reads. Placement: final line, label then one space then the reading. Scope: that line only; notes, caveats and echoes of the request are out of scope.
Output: 1:01
